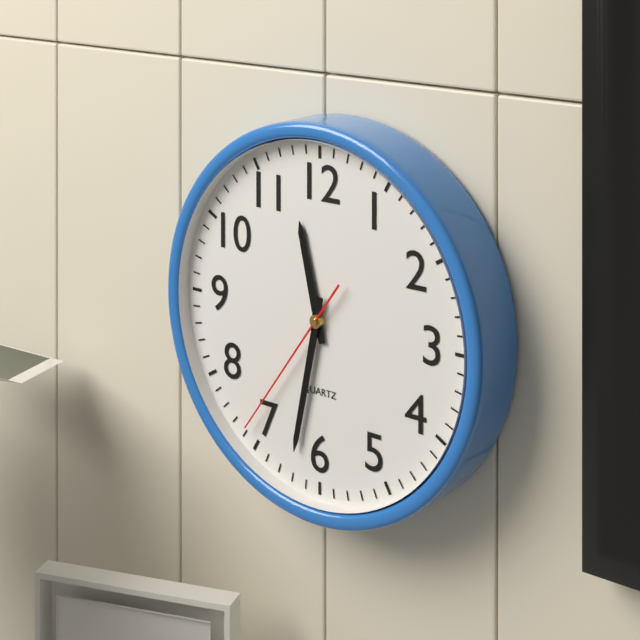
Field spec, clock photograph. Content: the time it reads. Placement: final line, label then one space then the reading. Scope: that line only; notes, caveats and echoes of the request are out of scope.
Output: 11:32:36
